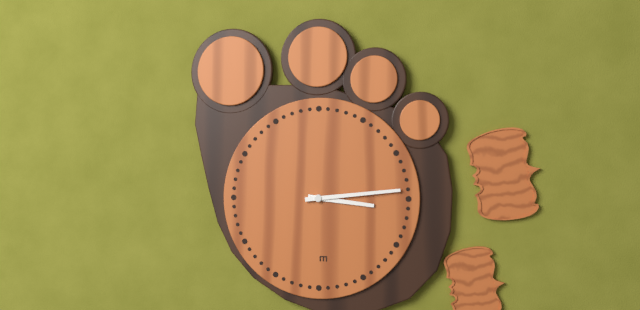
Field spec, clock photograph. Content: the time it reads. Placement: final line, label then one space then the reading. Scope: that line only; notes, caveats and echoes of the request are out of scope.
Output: 3:14
